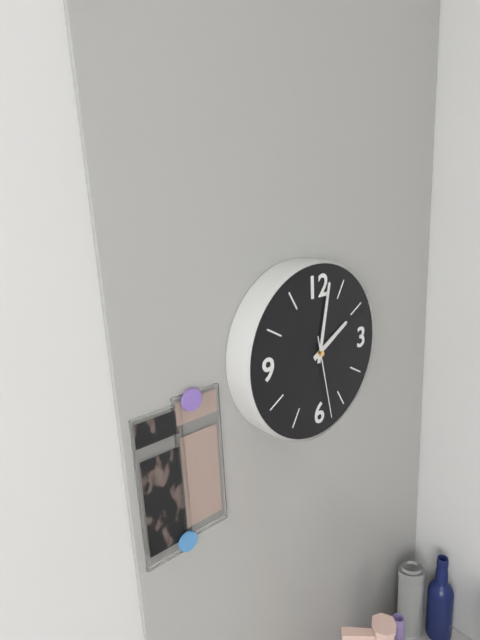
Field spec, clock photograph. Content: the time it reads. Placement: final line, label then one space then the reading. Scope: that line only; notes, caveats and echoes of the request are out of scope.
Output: 2:02:28
